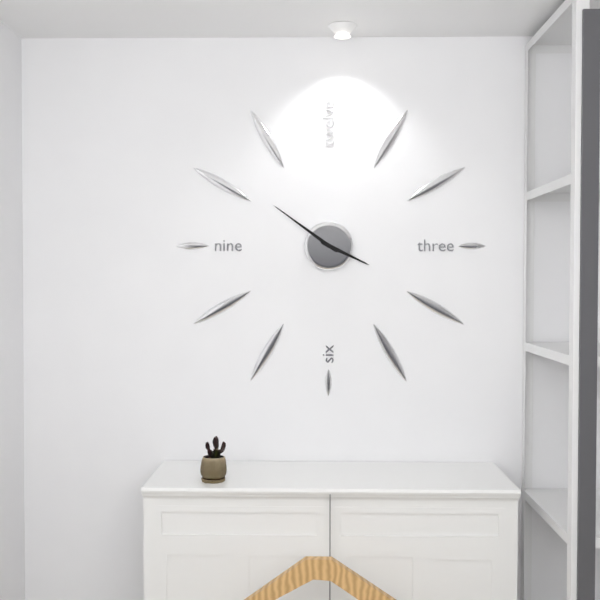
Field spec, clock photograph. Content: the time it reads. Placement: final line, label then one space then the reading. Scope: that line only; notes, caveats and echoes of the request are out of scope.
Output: 3:51
